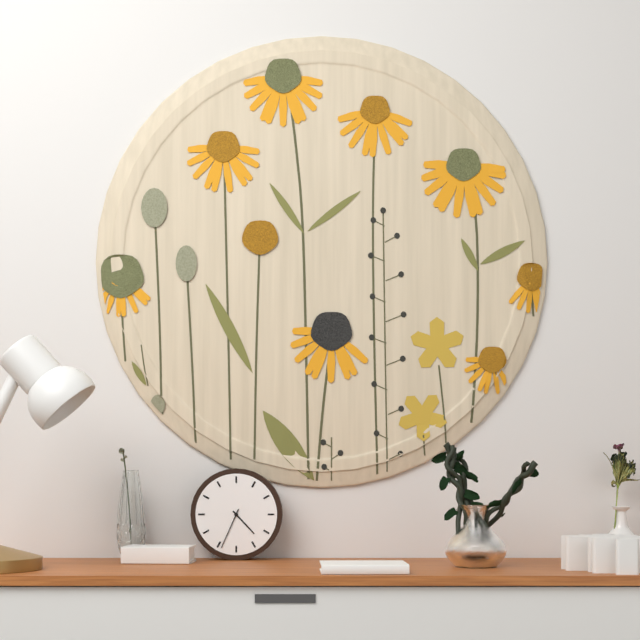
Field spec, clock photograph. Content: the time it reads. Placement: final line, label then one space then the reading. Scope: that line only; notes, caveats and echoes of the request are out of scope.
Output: 4:34
